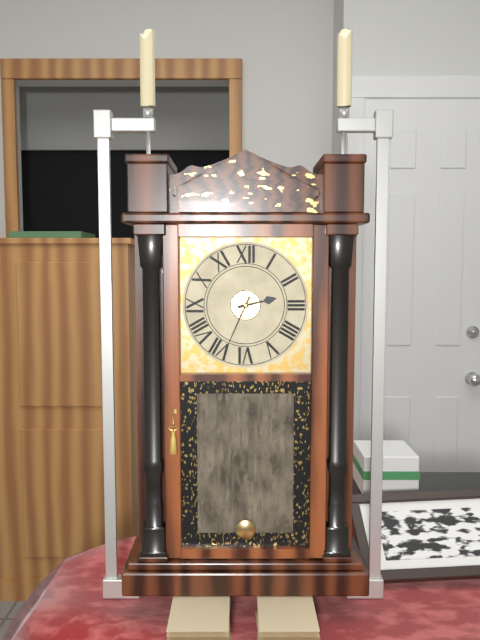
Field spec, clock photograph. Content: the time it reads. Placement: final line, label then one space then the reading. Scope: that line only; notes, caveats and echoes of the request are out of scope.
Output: 2:34
